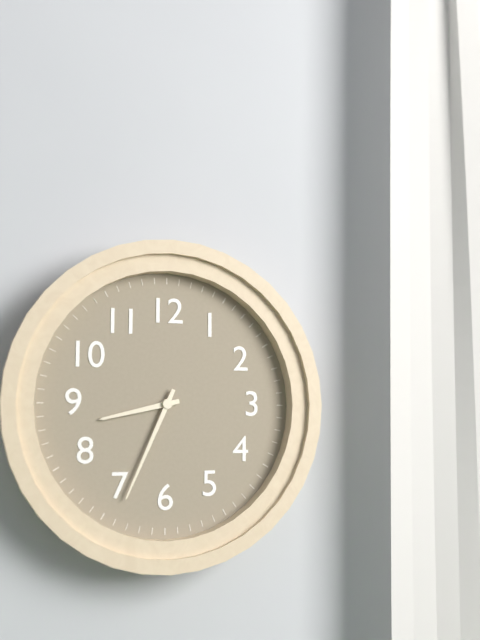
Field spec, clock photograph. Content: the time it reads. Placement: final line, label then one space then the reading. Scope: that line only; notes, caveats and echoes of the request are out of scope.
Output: 8:34
